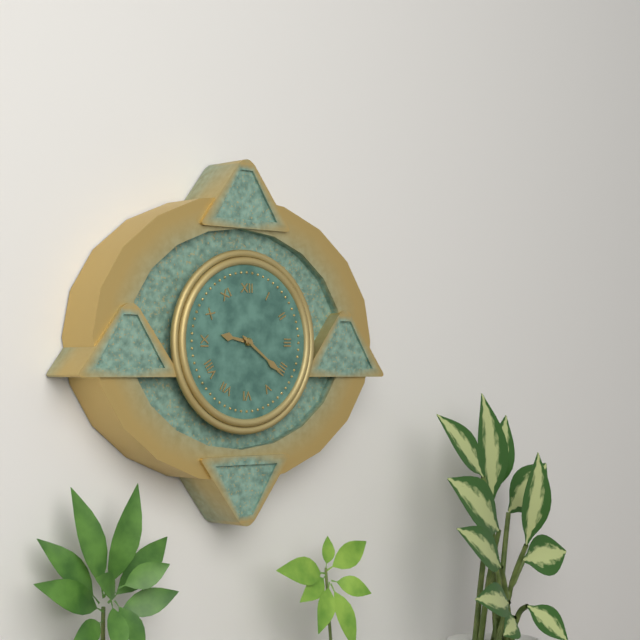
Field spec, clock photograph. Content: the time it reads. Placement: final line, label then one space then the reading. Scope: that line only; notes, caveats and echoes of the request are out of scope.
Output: 9:21
